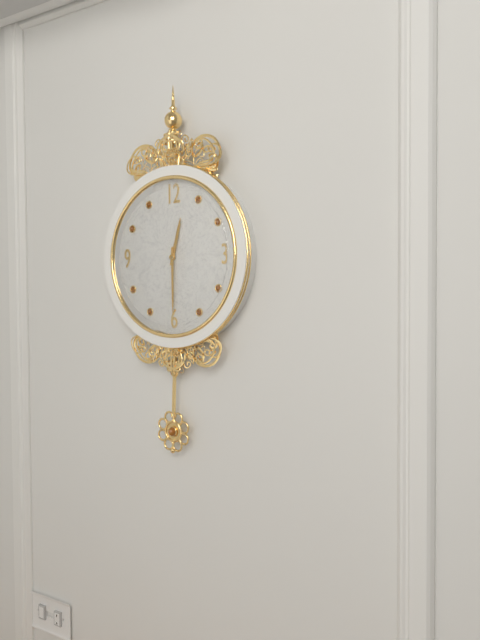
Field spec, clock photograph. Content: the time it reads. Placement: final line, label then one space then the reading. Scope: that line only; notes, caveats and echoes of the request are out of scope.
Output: 12:30
